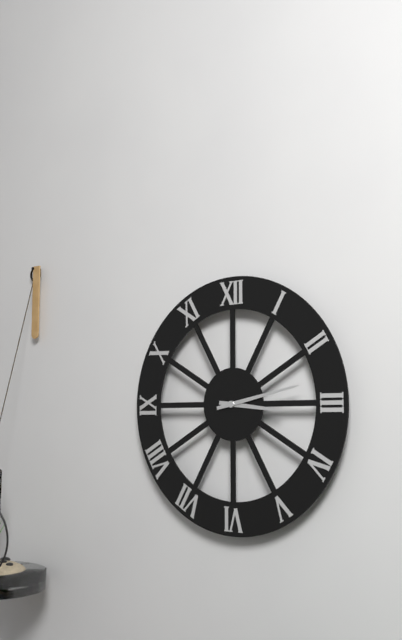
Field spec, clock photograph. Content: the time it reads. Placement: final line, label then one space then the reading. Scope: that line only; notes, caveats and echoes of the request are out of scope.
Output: 3:13
